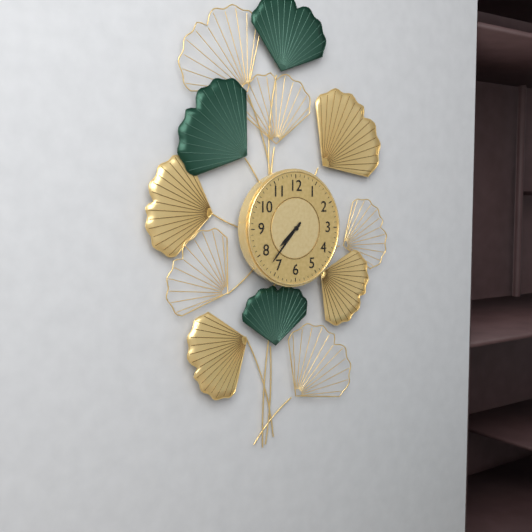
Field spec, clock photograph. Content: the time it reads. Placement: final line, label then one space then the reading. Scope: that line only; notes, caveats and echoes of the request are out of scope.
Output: 7:37
